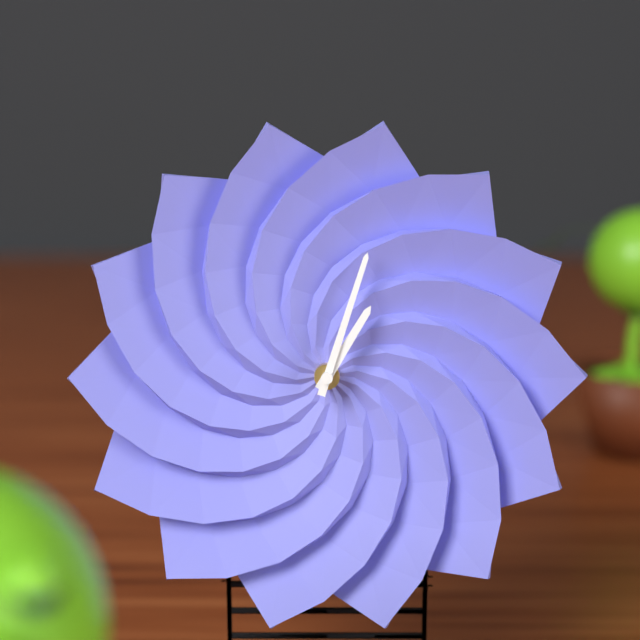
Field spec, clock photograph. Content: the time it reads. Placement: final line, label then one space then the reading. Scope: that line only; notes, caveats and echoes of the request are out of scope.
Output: 1:03
